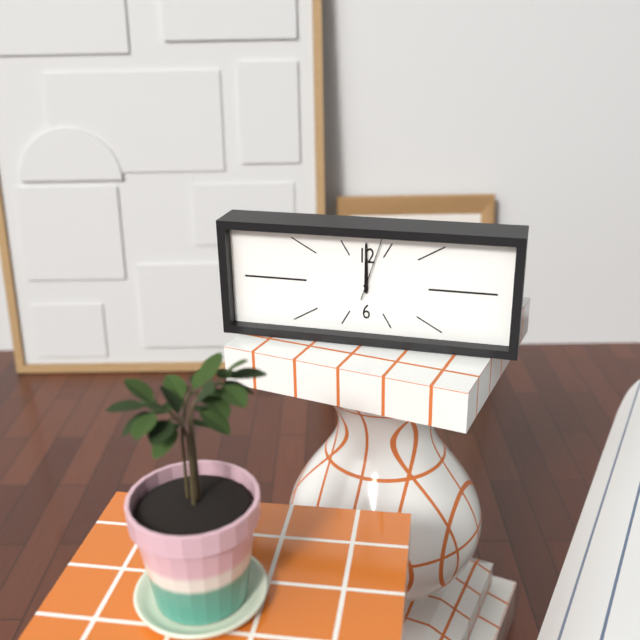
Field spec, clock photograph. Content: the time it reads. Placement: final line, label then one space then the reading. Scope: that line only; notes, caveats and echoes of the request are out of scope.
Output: 12:00:03
